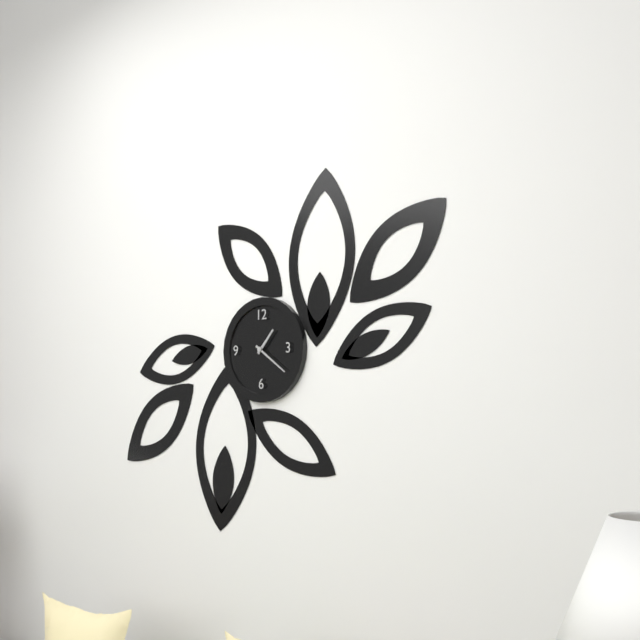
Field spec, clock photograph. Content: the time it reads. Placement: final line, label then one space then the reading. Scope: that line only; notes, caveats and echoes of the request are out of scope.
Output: 1:21
